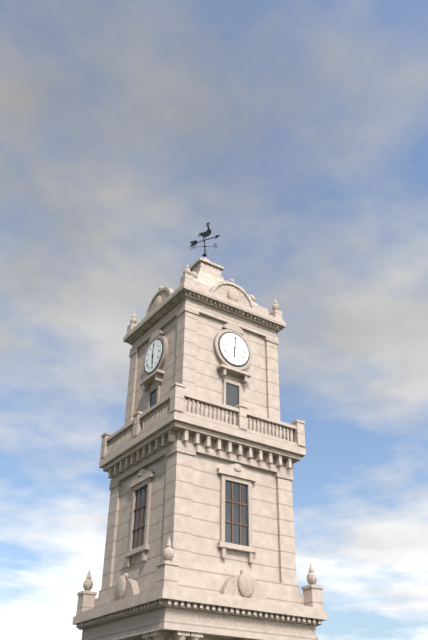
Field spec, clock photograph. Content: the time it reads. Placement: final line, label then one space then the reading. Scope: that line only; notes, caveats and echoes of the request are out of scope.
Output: 6:01
